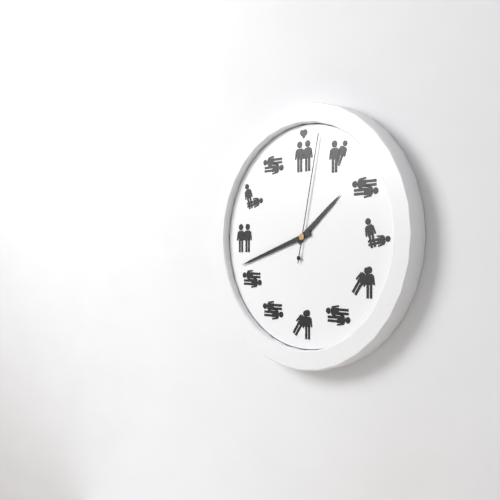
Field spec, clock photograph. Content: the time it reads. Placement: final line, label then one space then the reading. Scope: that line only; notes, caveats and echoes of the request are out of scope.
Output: 1:42:02
